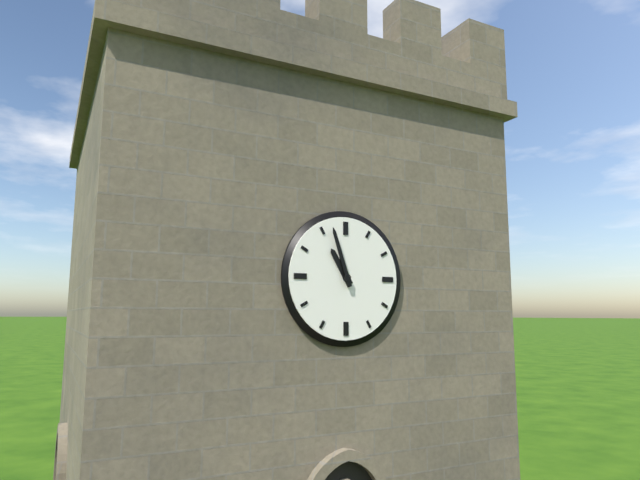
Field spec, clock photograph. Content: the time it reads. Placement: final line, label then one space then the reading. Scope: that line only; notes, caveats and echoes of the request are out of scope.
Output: 10:57
